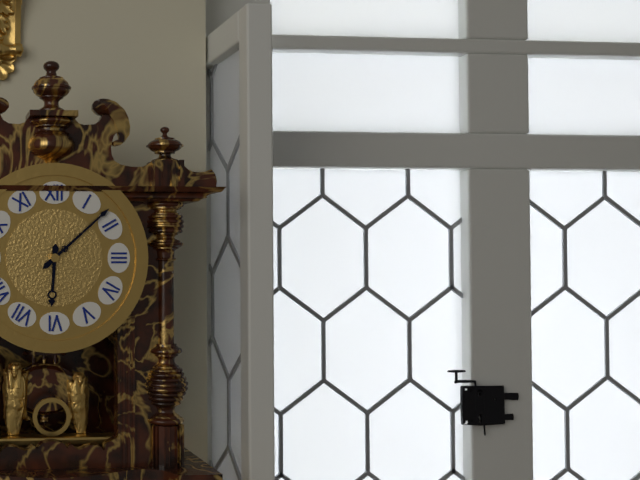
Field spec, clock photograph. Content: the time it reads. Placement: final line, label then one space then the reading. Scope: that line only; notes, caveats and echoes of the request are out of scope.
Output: 6:08
